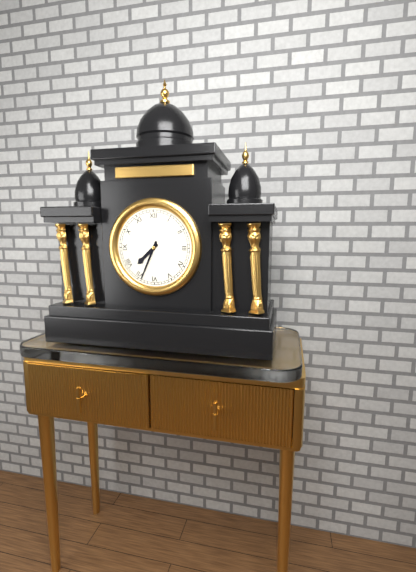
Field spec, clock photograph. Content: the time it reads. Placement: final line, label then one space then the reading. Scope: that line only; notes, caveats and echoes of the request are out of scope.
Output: 7:34
